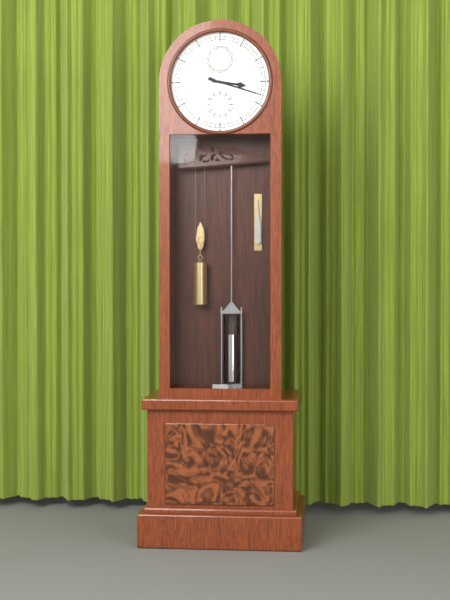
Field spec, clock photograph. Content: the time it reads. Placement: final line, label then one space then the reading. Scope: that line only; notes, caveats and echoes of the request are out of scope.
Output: 3:18
